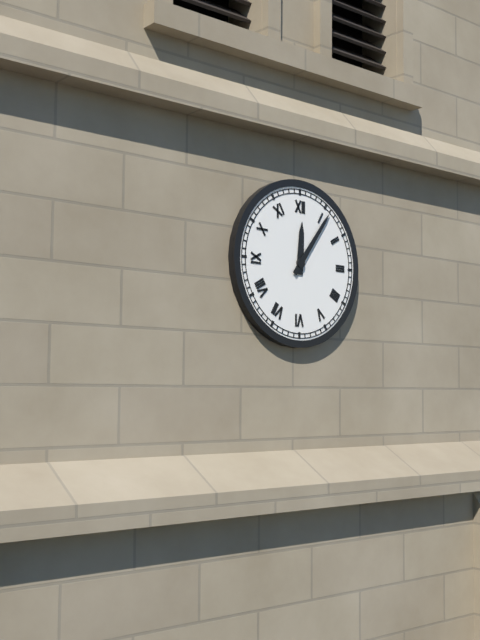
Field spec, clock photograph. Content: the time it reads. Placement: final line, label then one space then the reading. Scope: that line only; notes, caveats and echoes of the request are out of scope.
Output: 12:06
